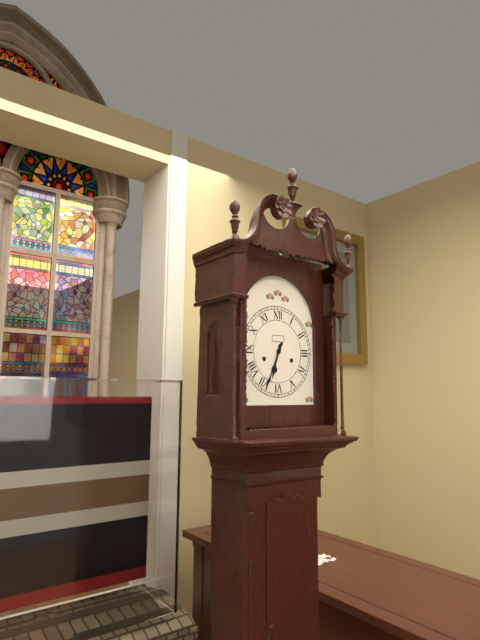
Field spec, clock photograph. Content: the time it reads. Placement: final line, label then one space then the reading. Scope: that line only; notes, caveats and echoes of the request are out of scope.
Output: 6:34
